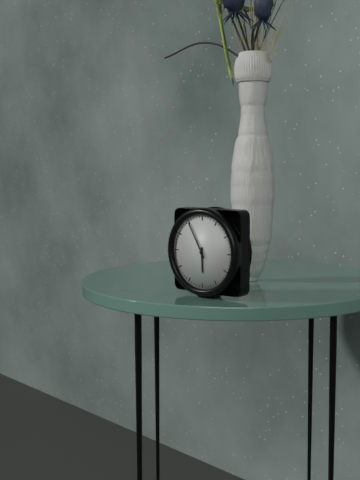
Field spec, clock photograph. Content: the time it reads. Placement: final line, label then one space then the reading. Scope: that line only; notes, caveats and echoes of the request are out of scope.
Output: 5:55
